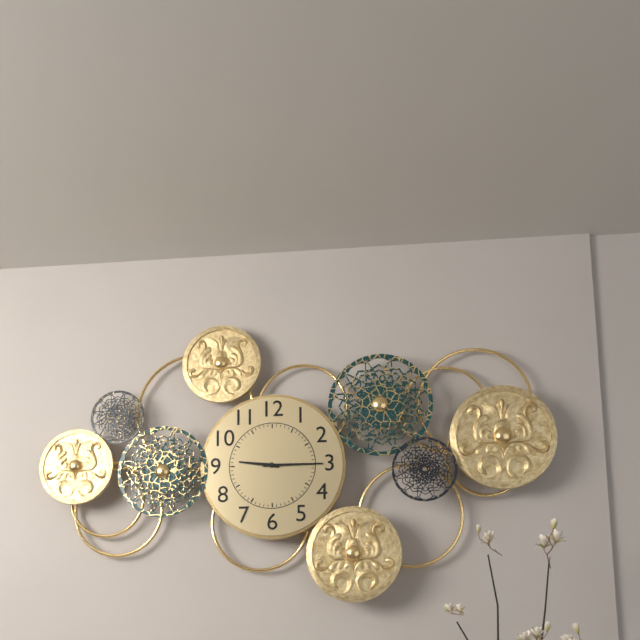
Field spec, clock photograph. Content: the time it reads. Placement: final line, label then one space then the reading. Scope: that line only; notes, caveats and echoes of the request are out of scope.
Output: 9:15
